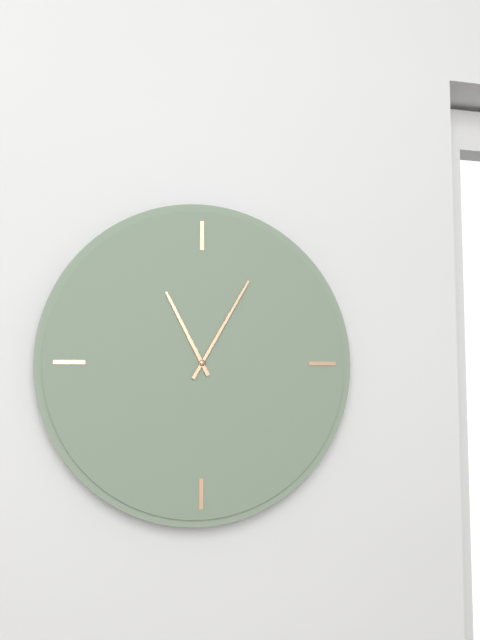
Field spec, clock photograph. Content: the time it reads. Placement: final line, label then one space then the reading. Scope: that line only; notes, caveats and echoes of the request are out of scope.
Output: 11:05
